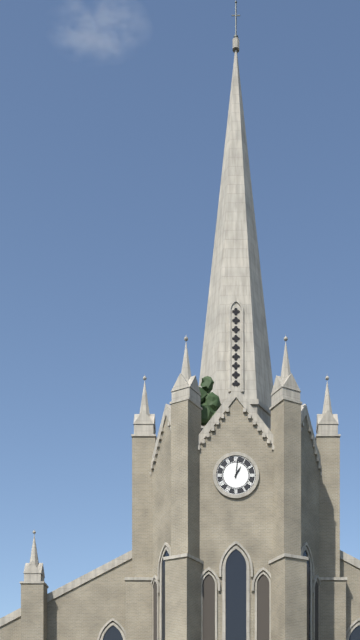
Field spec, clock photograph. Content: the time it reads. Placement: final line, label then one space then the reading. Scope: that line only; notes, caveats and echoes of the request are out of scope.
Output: 1:01
